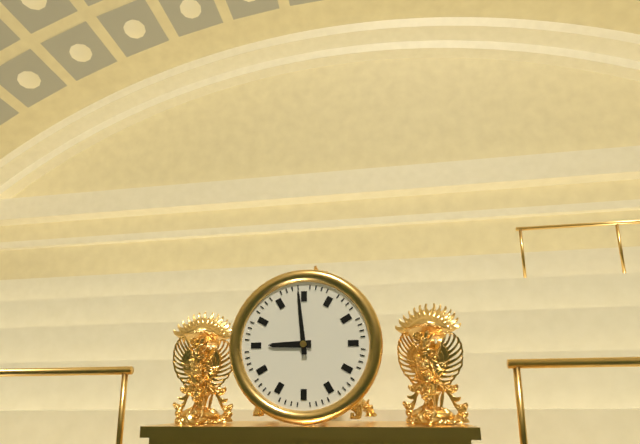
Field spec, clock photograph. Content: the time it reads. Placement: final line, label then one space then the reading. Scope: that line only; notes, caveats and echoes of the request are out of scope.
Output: 8:59
